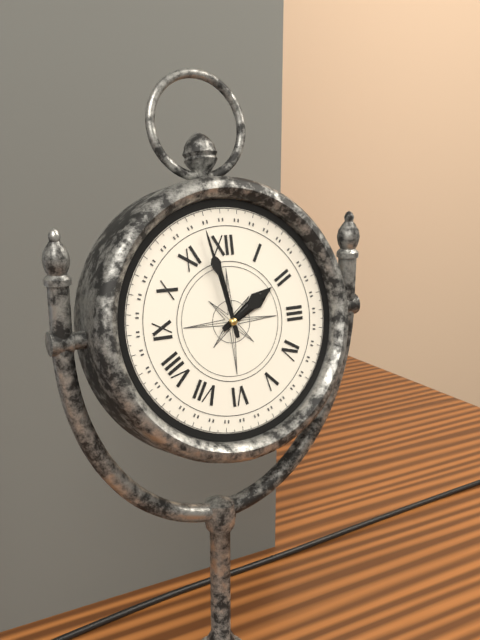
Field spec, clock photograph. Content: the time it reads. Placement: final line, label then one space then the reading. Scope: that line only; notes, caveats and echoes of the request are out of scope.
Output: 1:58
